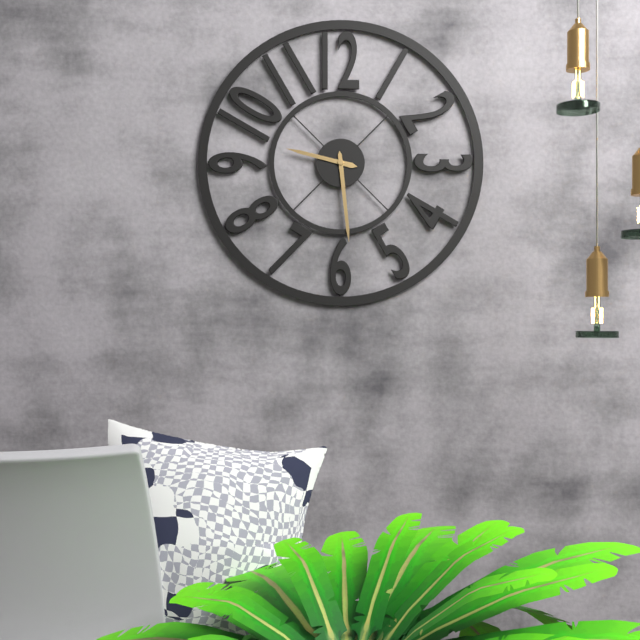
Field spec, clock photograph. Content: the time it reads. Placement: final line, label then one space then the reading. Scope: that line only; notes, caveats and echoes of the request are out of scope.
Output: 9:29
